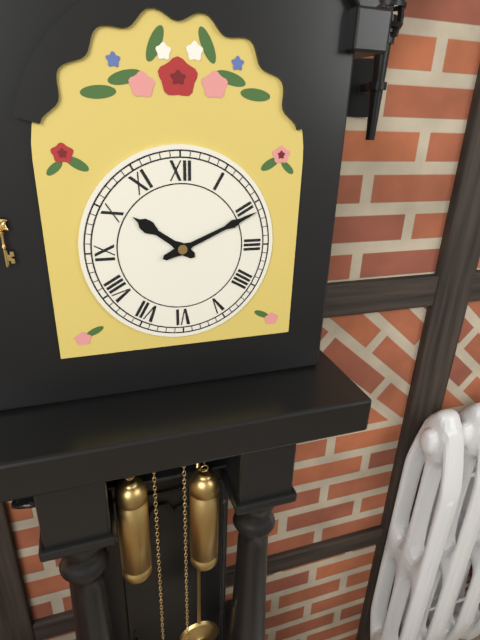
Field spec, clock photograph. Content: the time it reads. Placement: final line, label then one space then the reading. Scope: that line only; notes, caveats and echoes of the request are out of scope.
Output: 10:11
